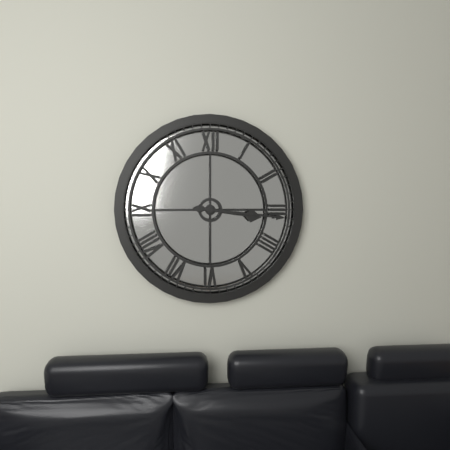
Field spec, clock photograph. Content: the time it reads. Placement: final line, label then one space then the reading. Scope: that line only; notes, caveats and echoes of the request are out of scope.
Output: 3:16
